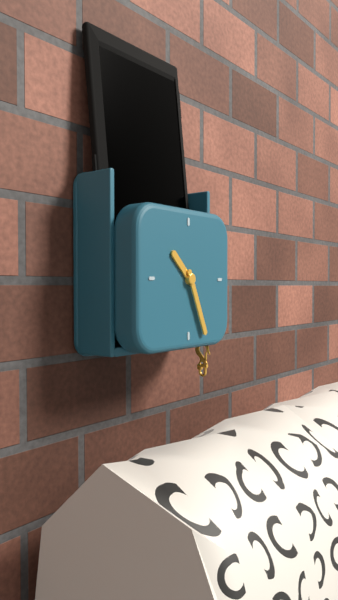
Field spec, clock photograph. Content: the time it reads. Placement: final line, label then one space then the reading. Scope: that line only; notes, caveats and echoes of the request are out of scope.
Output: 10:26
